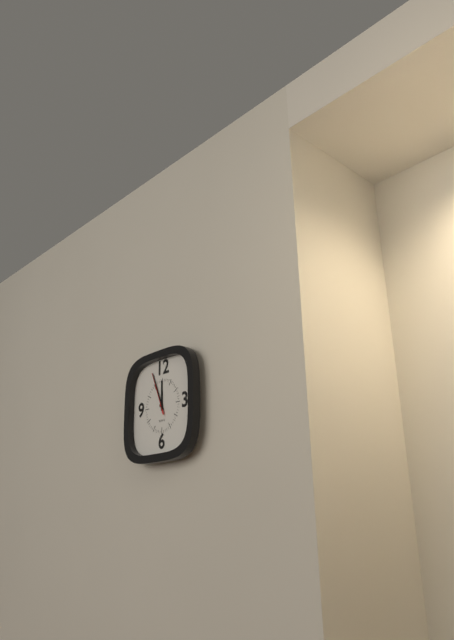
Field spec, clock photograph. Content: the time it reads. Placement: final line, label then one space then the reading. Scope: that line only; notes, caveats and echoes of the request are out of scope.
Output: 11:56
